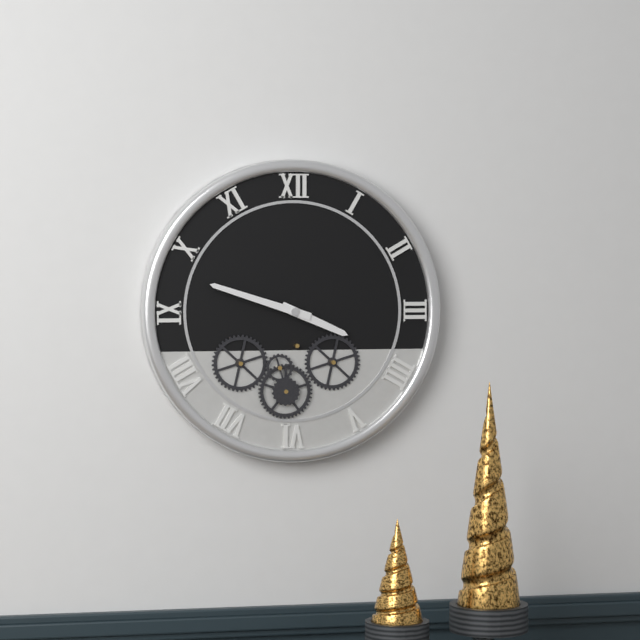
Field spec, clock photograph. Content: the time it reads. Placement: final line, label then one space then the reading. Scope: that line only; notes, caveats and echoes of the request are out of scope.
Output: 3:48
